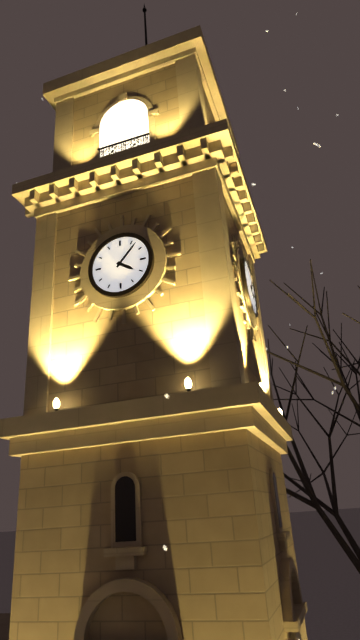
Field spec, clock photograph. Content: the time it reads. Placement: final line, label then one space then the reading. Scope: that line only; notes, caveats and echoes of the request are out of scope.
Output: 4:07
